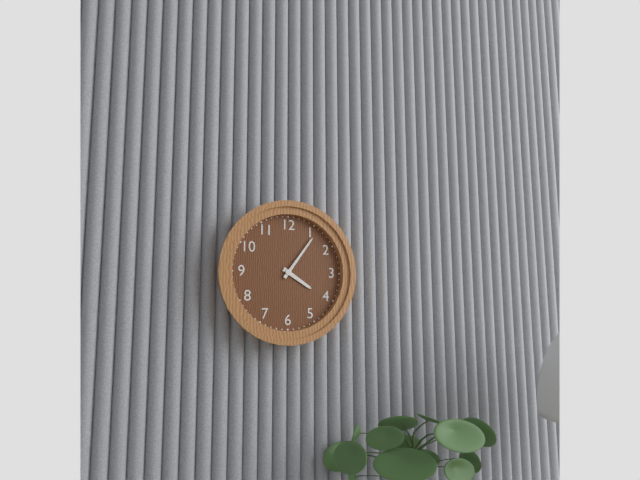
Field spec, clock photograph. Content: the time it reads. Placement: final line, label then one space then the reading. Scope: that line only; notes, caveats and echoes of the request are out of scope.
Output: 4:06
